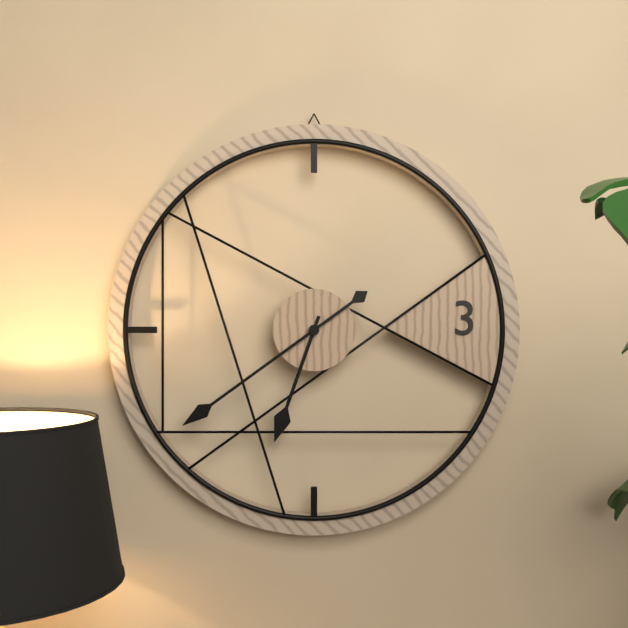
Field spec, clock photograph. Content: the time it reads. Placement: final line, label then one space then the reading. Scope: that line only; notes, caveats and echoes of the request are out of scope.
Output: 6:39
